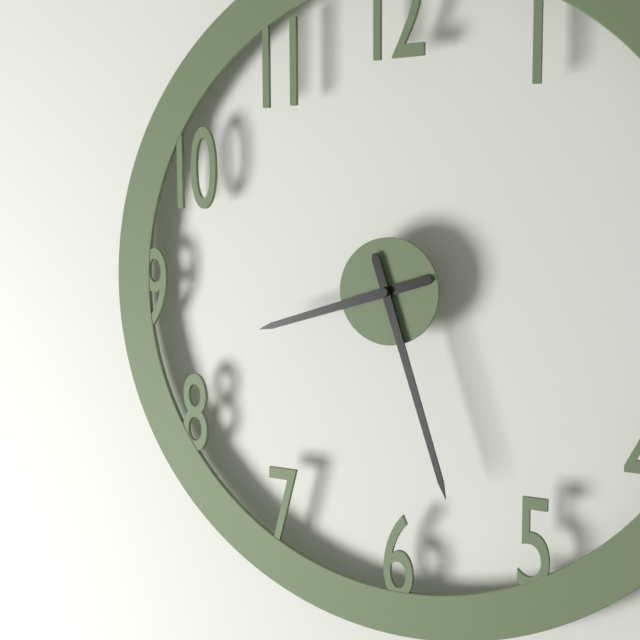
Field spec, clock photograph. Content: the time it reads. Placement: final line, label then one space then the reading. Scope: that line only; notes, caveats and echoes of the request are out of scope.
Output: 8:27
